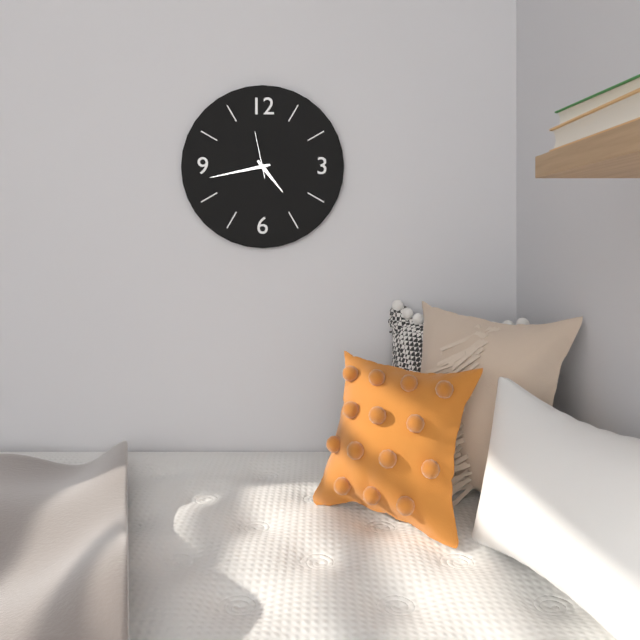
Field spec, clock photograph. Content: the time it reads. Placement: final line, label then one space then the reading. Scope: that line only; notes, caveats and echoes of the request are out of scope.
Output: 4:43
